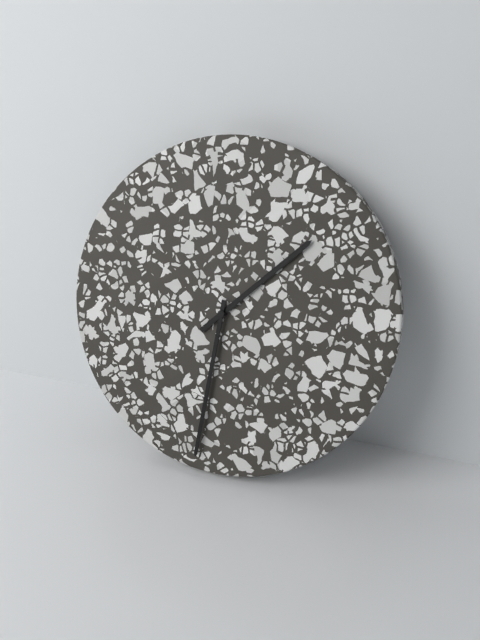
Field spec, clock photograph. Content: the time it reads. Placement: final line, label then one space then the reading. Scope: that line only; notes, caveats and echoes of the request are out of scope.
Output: 1:31
